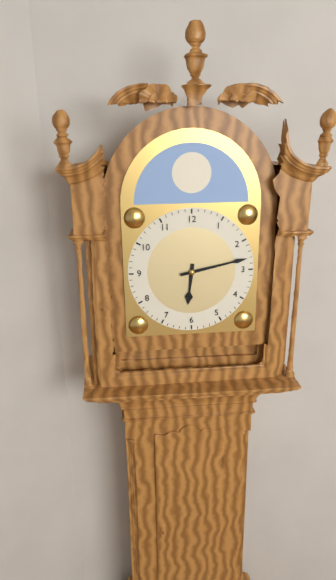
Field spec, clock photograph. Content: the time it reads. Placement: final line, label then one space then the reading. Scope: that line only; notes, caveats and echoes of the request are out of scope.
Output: 6:13
